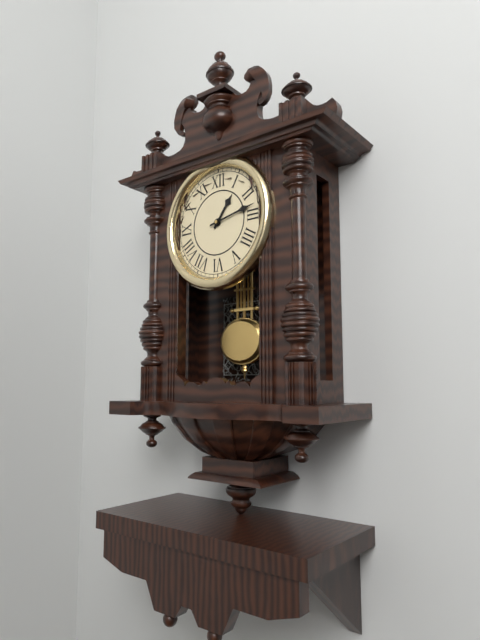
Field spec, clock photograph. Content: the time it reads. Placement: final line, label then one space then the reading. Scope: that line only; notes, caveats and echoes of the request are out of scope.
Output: 1:13
